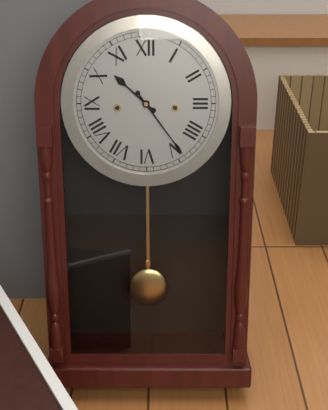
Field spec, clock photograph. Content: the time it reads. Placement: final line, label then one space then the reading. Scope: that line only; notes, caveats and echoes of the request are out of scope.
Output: 10:24
